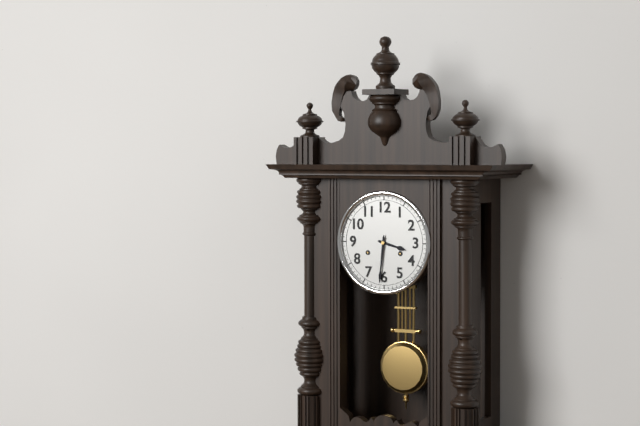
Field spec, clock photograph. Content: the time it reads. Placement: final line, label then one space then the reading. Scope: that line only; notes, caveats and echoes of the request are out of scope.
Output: 3:31
